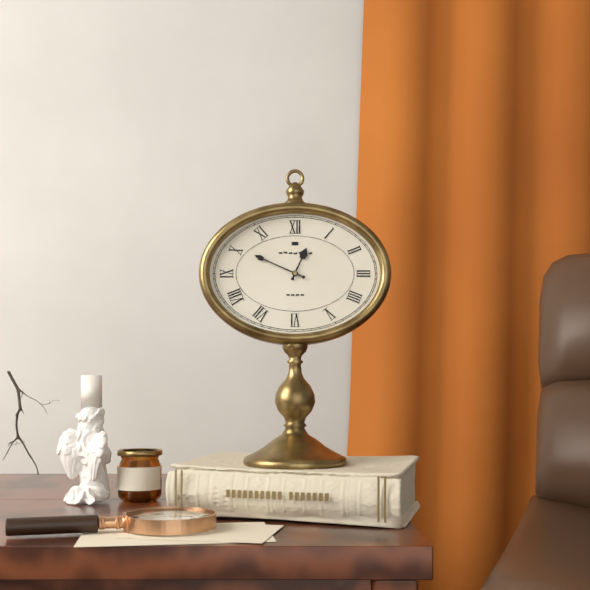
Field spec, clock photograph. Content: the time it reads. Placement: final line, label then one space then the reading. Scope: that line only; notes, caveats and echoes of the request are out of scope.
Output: 12:49
